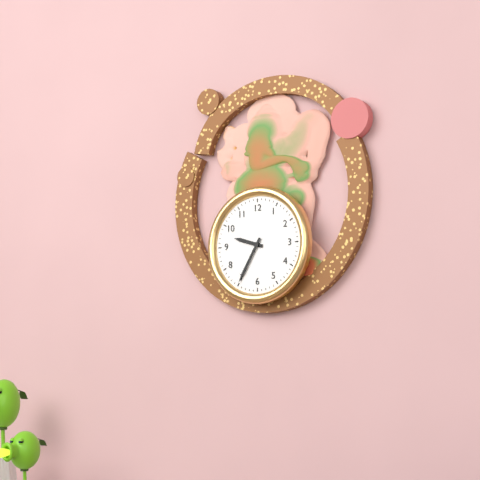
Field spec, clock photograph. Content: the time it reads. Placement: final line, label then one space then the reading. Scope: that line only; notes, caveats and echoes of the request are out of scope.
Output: 9:35
